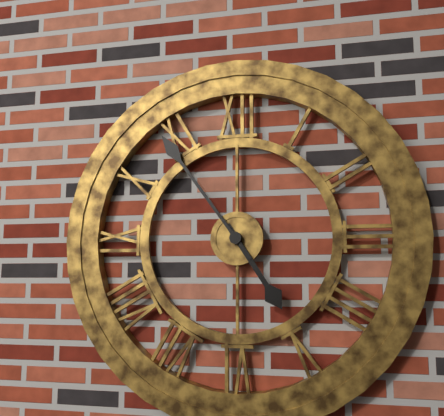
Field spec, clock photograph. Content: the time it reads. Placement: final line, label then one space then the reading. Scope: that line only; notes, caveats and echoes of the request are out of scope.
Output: 4:54
